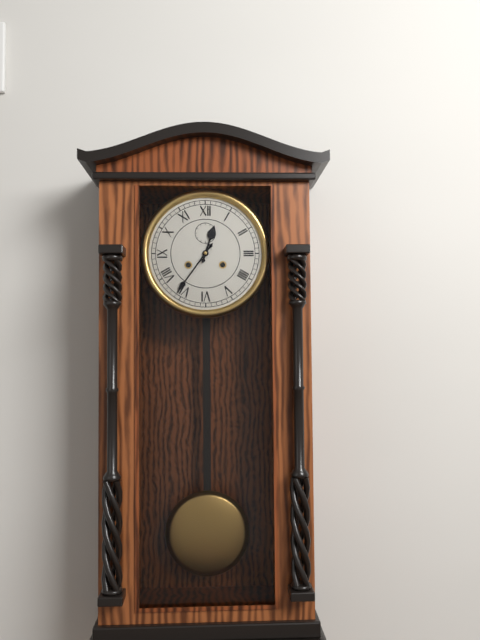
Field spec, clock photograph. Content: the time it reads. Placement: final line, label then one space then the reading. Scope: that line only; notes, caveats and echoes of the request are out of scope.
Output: 12:36
